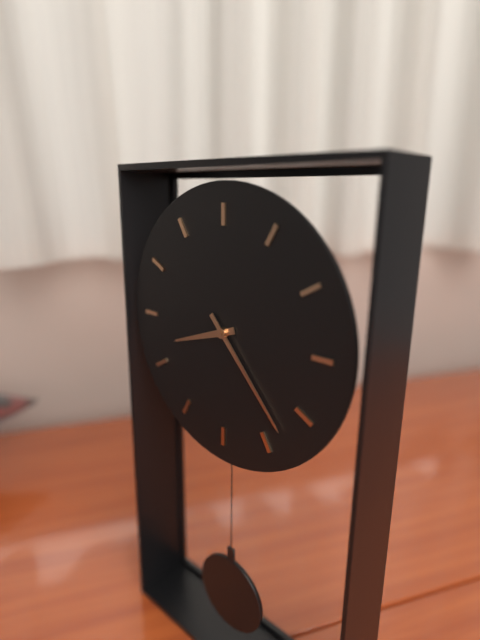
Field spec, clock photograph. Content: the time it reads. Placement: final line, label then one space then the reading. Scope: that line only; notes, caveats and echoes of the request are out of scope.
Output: 8:23
